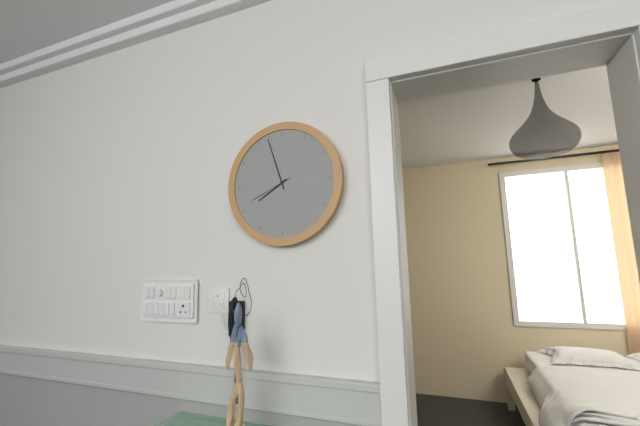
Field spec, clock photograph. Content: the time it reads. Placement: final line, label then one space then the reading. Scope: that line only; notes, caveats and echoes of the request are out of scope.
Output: 7:57
